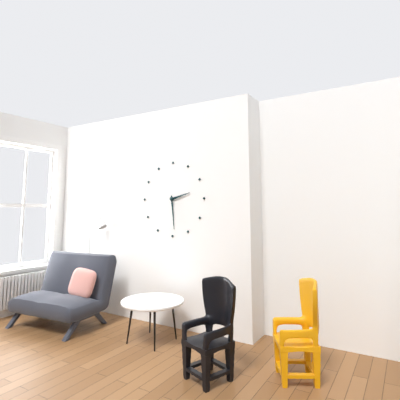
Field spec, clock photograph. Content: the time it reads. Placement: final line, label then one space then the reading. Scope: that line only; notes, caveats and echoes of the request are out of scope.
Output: 2:29
